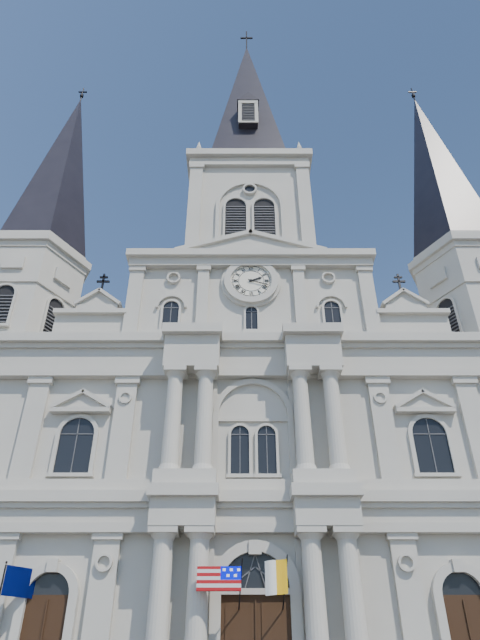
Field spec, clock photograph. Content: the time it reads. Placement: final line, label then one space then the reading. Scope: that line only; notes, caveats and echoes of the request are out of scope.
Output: 2:18
